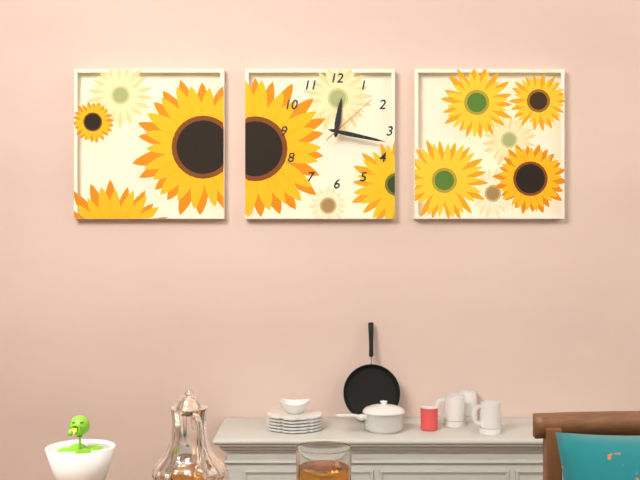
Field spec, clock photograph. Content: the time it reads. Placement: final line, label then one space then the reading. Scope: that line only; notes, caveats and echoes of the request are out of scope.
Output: 12:17:08
